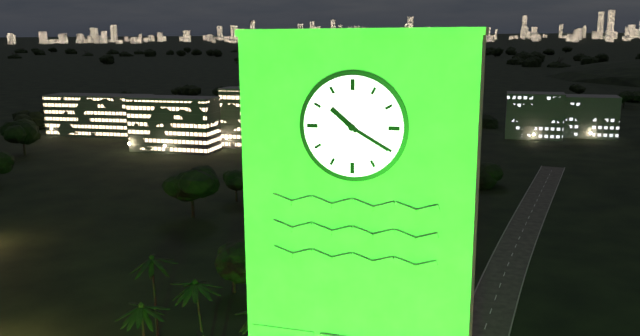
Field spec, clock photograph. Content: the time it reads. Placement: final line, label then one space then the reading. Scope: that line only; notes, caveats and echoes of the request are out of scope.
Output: 10:20
